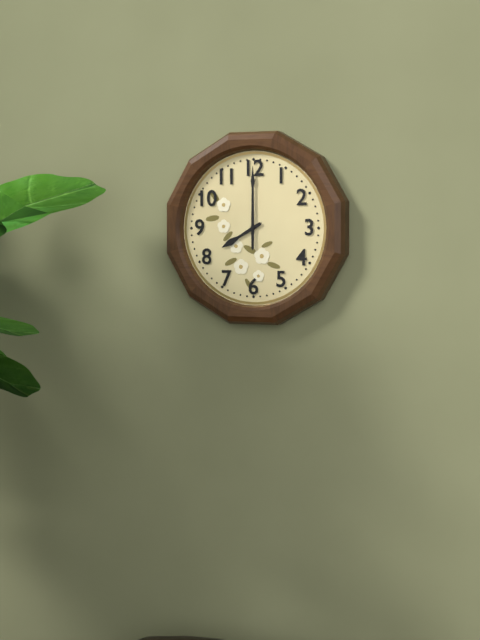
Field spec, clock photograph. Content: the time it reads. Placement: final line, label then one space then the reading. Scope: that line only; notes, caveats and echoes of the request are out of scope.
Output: 8:00
